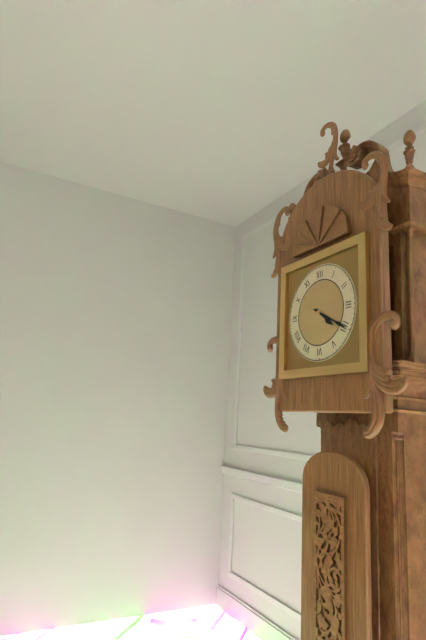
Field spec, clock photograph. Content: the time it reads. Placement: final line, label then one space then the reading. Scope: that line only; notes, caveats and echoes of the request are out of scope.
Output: 4:20
